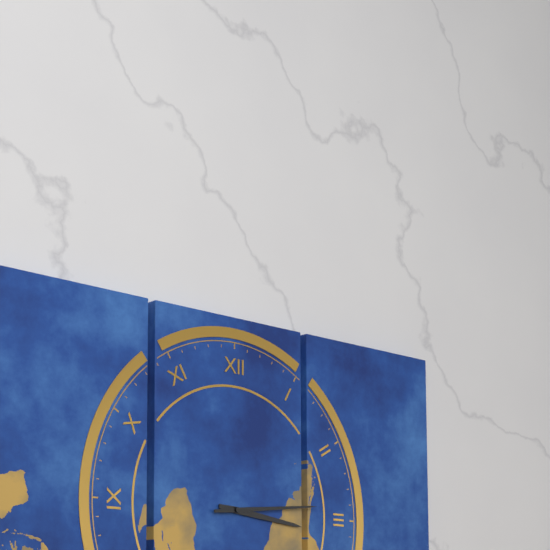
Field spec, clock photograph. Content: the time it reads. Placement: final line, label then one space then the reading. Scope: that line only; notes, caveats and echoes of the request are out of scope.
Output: 3:14
